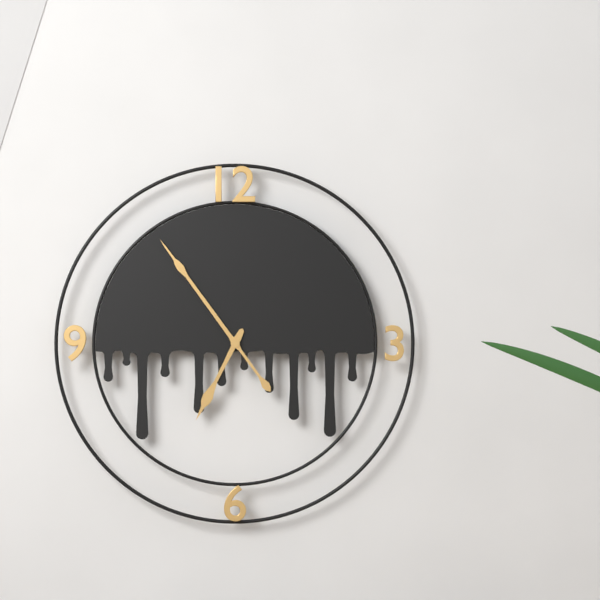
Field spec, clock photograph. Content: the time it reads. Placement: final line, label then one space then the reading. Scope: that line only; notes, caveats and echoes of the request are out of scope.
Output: 6:54
